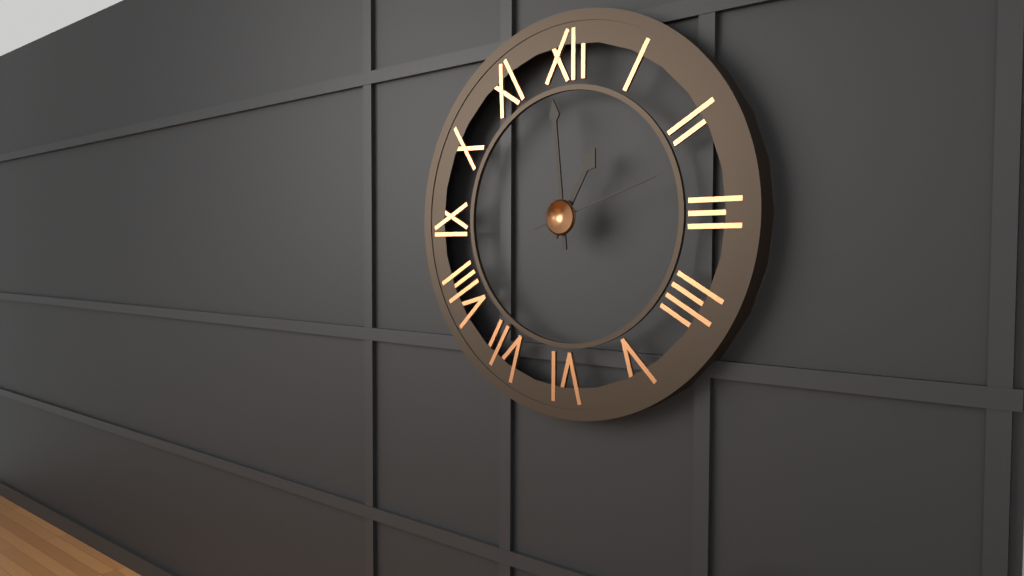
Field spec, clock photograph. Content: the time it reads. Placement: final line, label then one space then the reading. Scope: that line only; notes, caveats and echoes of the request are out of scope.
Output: 12:59:12
